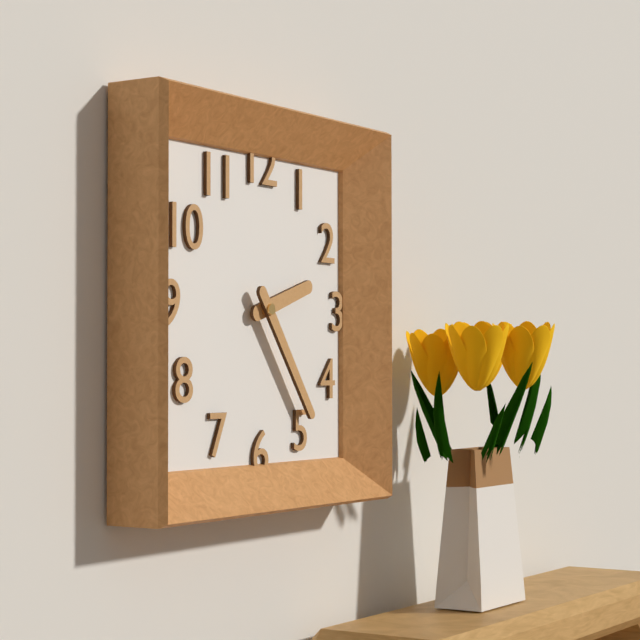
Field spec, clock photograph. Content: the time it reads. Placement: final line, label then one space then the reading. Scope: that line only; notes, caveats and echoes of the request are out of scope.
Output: 2:24
